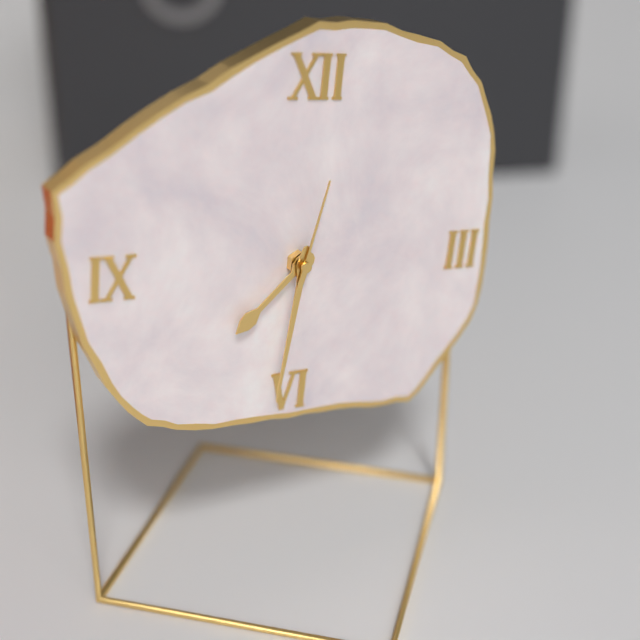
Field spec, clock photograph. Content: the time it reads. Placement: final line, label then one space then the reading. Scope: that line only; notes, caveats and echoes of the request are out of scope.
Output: 7:31:02
